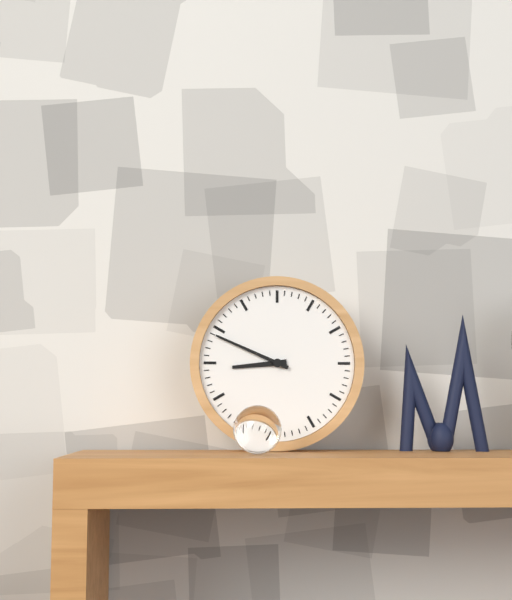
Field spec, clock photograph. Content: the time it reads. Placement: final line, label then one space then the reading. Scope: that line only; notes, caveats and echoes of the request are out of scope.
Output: 8:49
